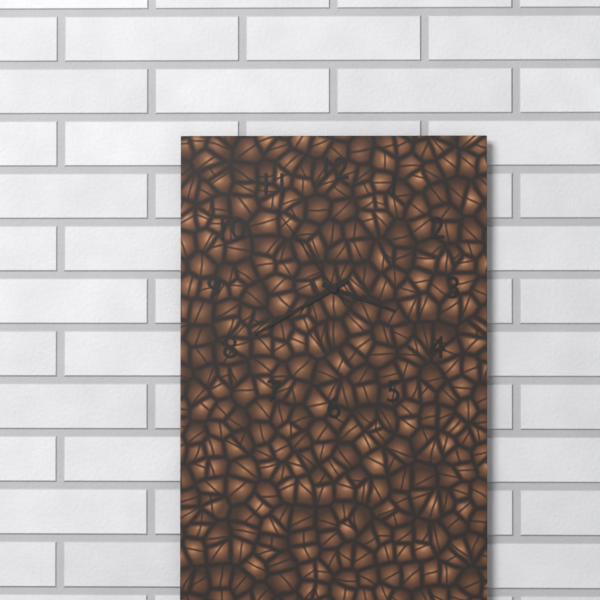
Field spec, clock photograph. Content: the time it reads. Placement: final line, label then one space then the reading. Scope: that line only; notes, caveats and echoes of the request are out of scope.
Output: 3:40:54
